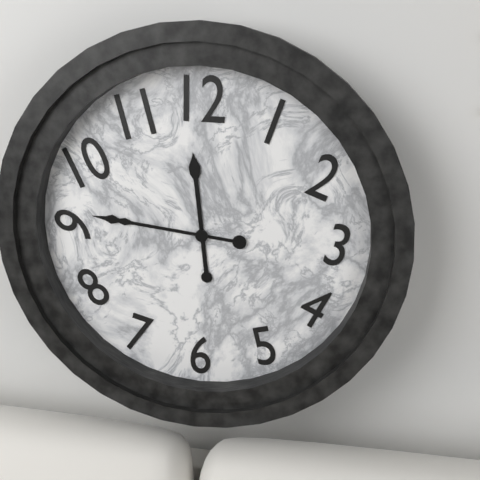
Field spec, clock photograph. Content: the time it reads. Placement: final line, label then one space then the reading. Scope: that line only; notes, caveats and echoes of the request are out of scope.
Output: 11:46
